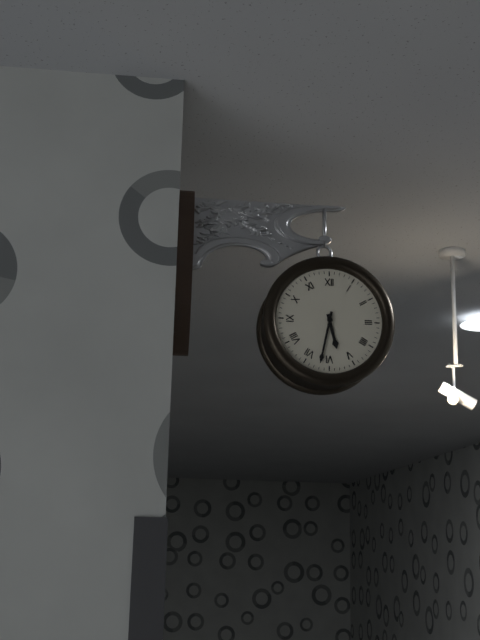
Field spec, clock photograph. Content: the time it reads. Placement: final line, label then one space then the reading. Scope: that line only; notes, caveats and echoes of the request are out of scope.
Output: 5:32
